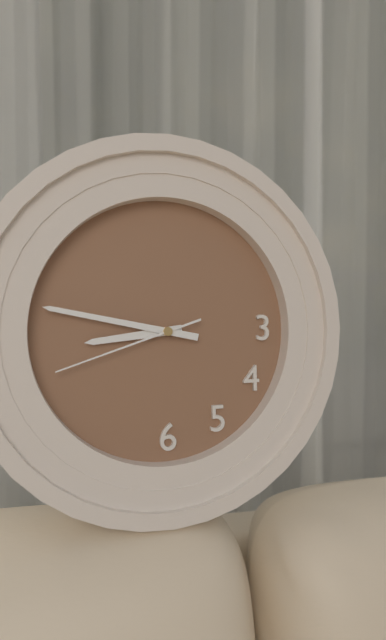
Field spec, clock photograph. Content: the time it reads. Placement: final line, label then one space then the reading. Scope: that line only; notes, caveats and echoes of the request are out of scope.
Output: 8:47:42
